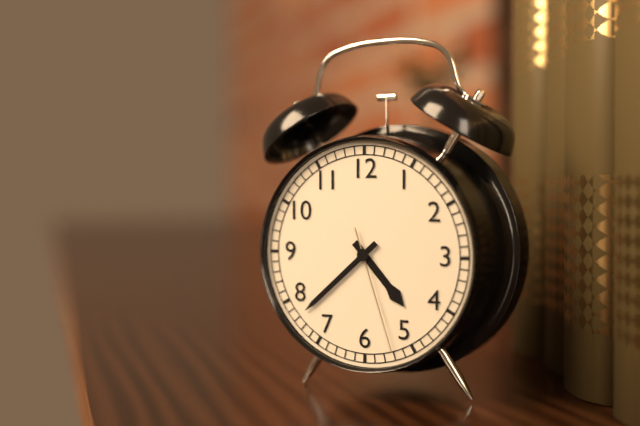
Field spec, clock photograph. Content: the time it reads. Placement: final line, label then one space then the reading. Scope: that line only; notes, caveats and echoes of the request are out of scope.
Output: 4:38:27
